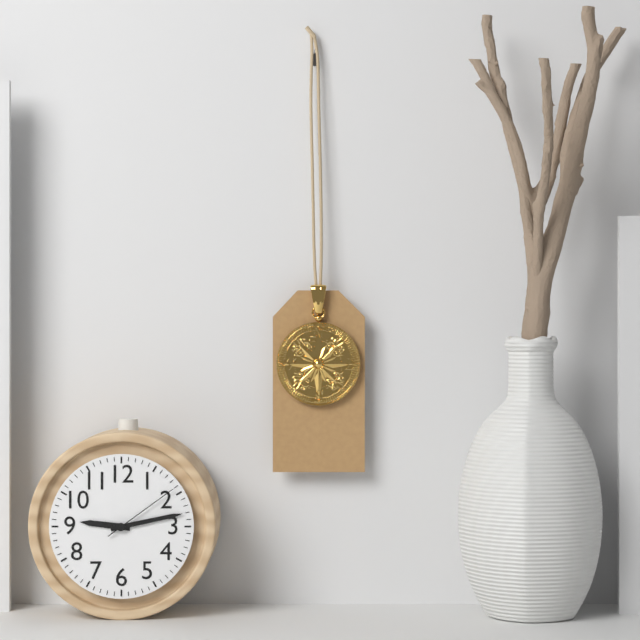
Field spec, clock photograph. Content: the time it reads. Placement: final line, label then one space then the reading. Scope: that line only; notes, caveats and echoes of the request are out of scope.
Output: 9:13:09
